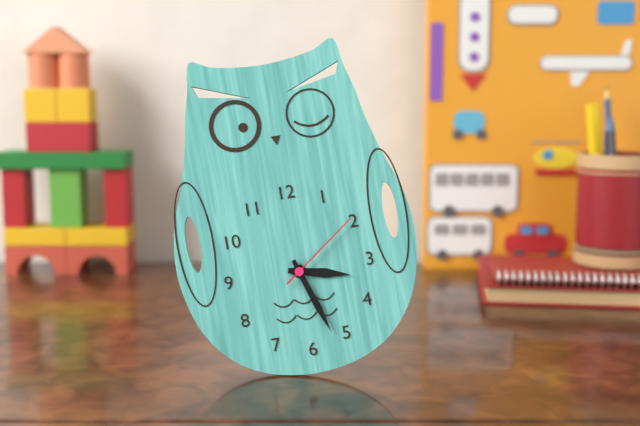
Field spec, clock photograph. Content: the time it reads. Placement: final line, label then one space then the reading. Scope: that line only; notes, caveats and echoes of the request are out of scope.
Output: 3:27:09
